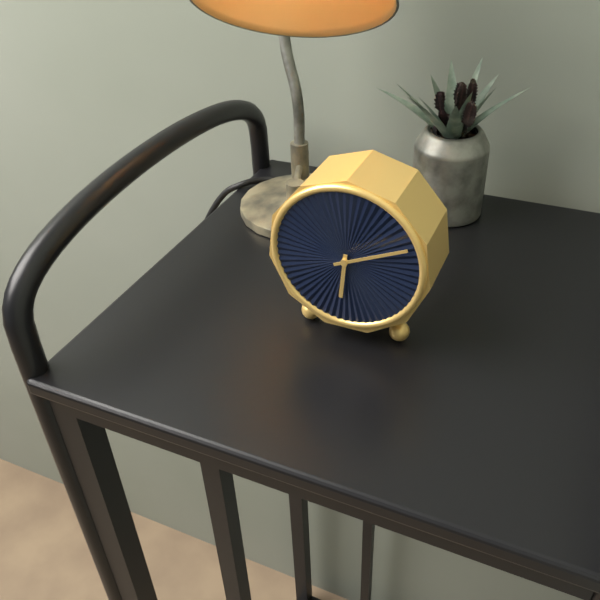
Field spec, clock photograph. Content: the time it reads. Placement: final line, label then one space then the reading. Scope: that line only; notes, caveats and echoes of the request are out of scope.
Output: 6:11
